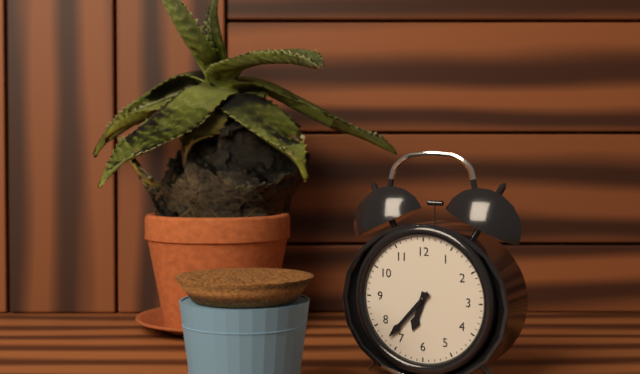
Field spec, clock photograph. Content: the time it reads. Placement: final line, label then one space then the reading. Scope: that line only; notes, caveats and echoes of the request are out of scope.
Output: 6:37
